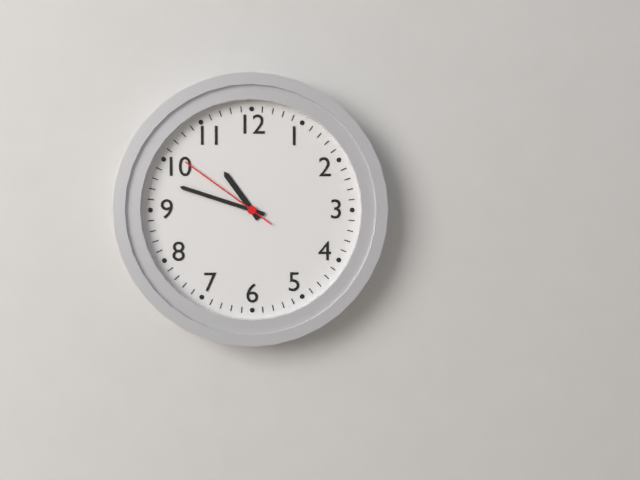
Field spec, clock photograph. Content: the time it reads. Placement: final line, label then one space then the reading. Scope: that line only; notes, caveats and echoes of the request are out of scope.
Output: 10:48:51
